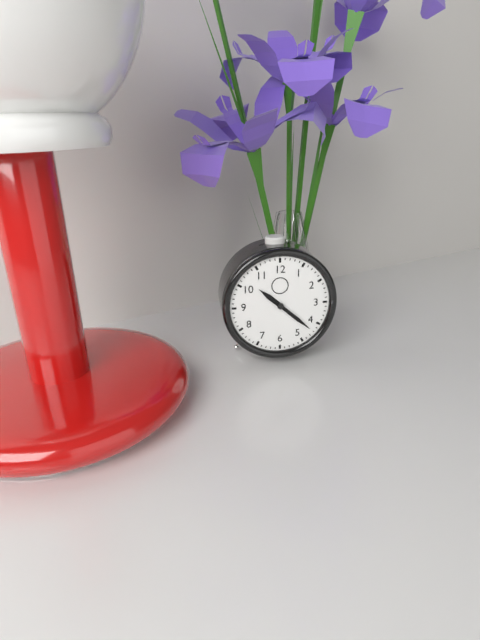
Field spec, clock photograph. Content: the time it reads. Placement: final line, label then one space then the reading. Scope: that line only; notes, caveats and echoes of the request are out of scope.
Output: 10:22
